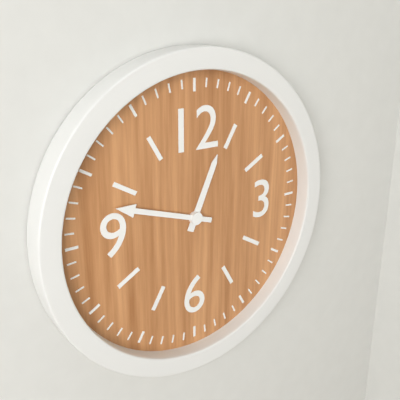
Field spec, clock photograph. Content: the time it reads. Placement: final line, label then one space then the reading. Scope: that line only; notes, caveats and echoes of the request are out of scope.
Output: 12:48
